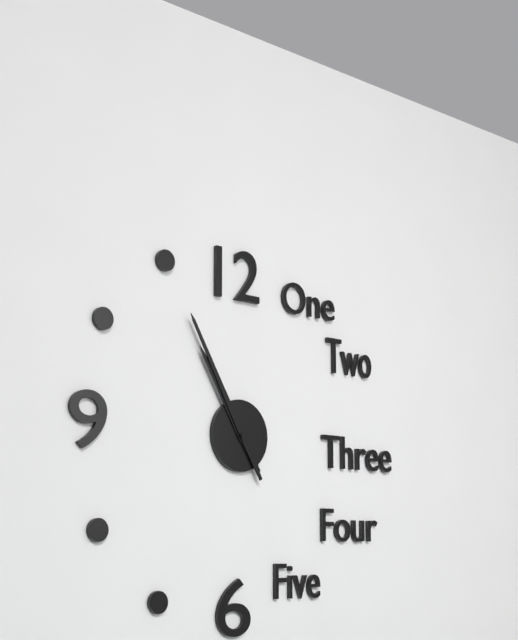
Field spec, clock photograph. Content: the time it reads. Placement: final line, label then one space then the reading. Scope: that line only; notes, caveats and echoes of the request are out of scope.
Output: 10:55
